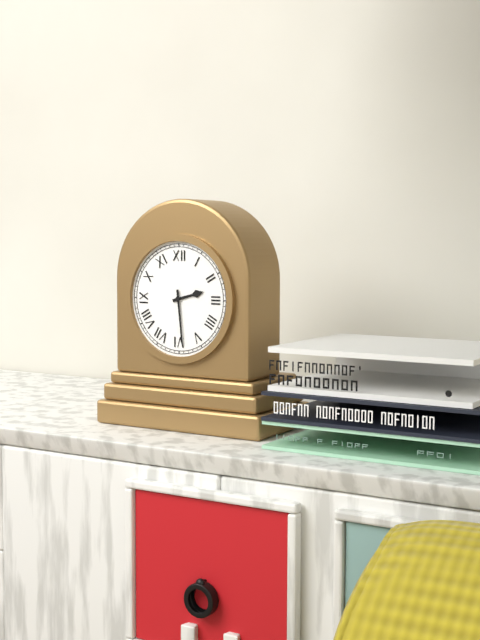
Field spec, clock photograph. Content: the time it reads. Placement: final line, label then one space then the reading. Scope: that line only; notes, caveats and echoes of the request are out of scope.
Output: 2:29
